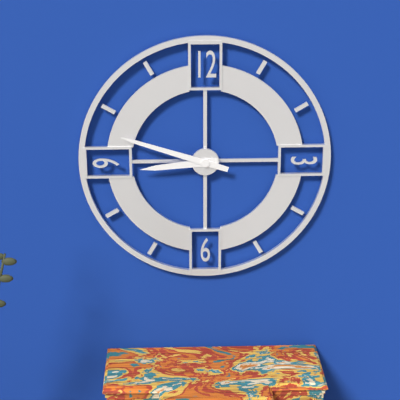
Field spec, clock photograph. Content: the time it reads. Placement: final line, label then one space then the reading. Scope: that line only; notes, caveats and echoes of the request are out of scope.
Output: 8:48
